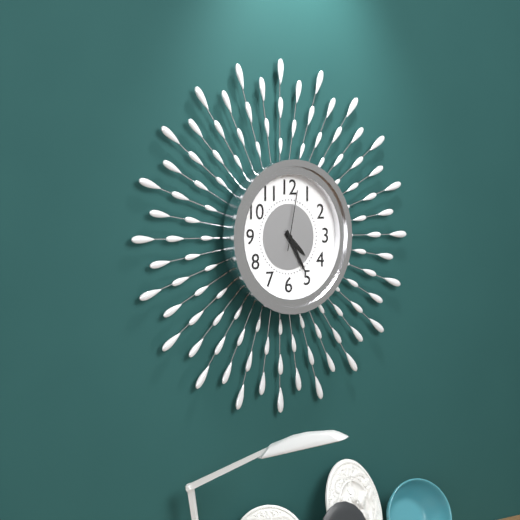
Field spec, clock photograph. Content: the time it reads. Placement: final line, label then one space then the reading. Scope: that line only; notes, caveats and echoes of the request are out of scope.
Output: 4:25:02
